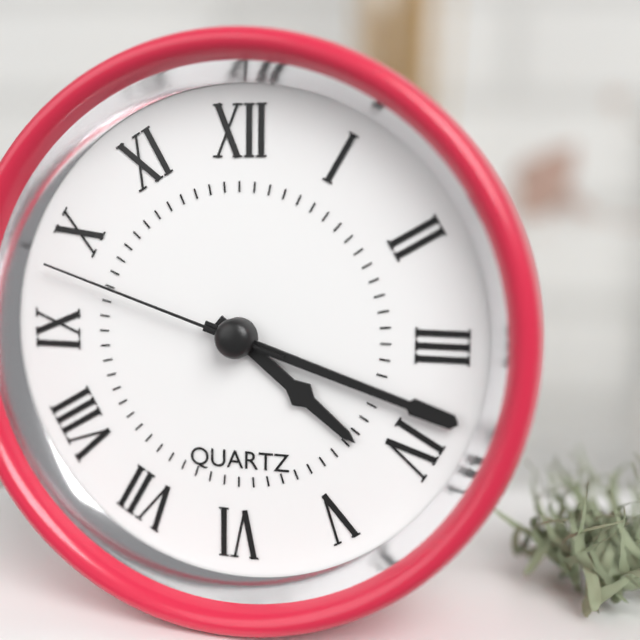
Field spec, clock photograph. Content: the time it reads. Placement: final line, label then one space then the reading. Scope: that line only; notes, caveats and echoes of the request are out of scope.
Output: 4:18:48
